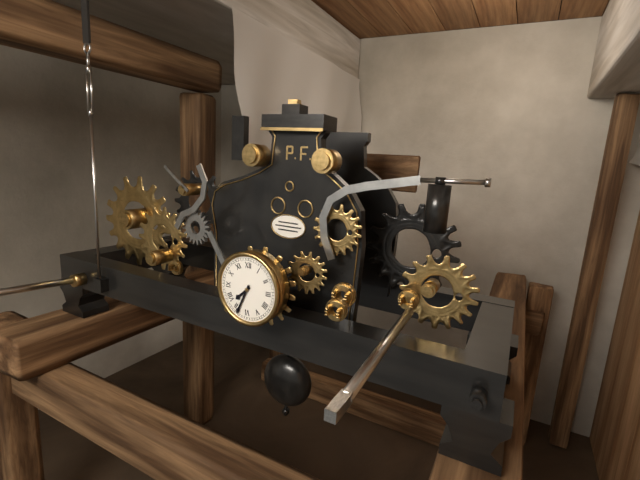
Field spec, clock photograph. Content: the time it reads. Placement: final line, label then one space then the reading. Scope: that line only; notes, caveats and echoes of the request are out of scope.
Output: 7:34
